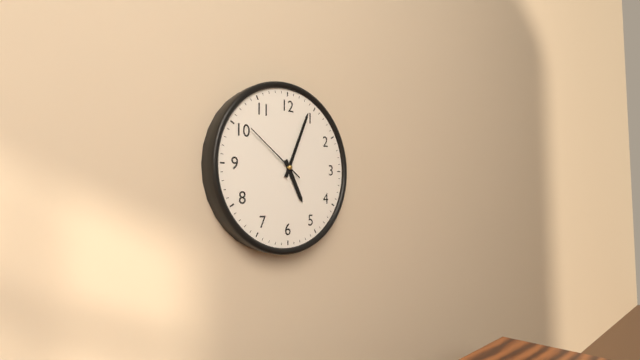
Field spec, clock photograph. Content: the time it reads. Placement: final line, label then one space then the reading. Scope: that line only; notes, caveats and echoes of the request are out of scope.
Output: 5:04:51
